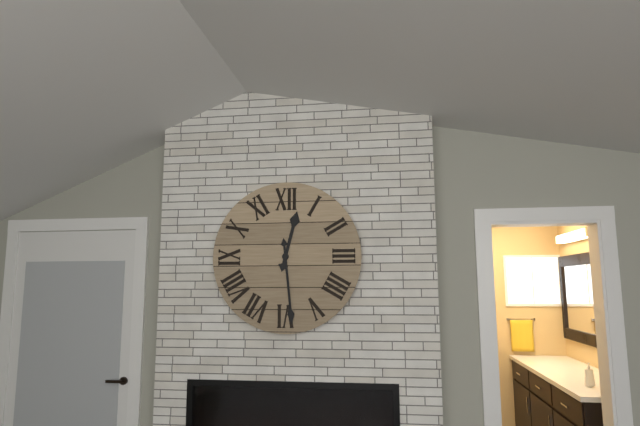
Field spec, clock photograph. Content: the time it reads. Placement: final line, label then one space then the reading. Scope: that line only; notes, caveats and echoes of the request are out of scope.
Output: 12:29
